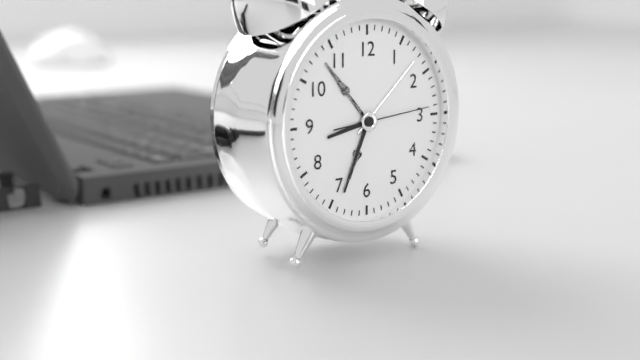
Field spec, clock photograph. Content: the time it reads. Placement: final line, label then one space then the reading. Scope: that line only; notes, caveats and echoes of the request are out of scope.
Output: 8:34:14
